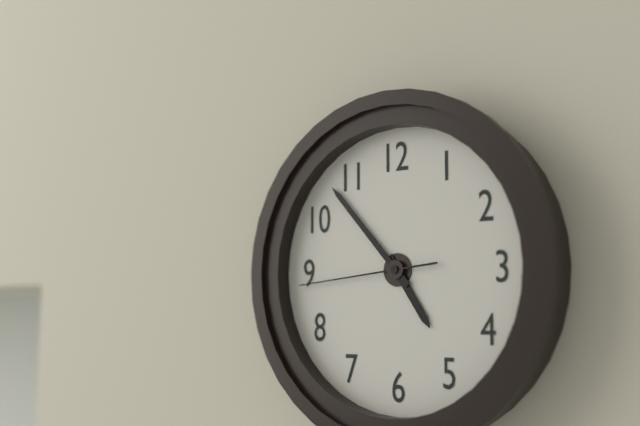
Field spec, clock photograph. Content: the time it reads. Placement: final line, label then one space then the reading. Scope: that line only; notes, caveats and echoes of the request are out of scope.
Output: 4:53:44
